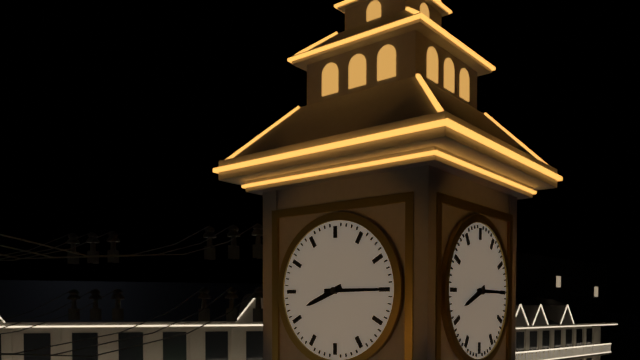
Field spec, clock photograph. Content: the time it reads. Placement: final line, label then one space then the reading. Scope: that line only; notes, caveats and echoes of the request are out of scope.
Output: 8:15
